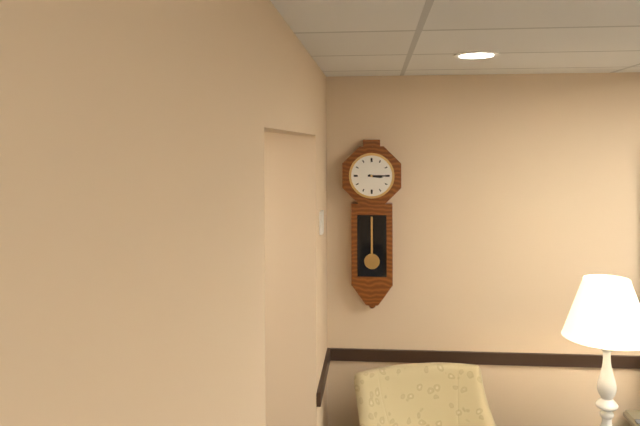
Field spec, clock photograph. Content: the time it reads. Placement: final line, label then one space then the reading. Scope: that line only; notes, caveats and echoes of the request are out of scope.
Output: 3:15
